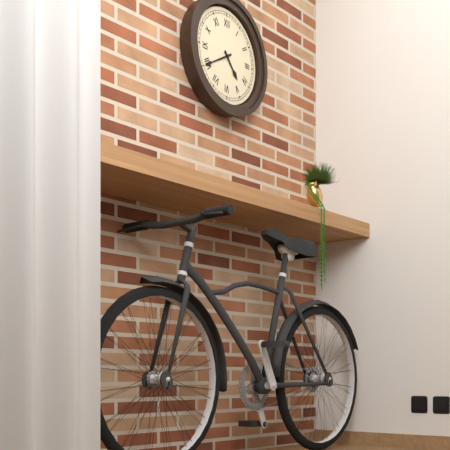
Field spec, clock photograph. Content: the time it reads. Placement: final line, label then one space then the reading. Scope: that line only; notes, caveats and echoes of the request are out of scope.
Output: 4:40
